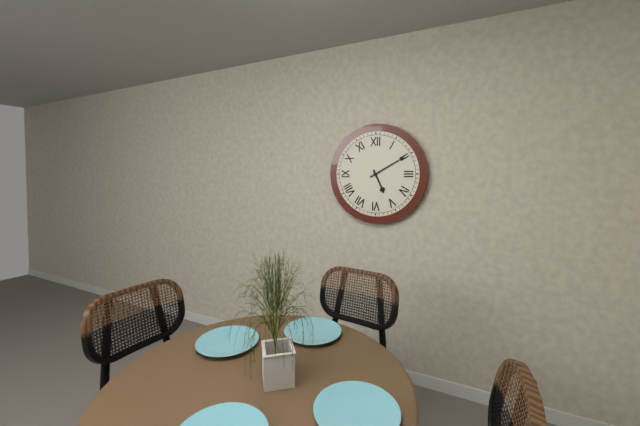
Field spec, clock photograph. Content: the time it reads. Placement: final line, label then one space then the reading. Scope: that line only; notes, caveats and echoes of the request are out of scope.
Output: 5:10
